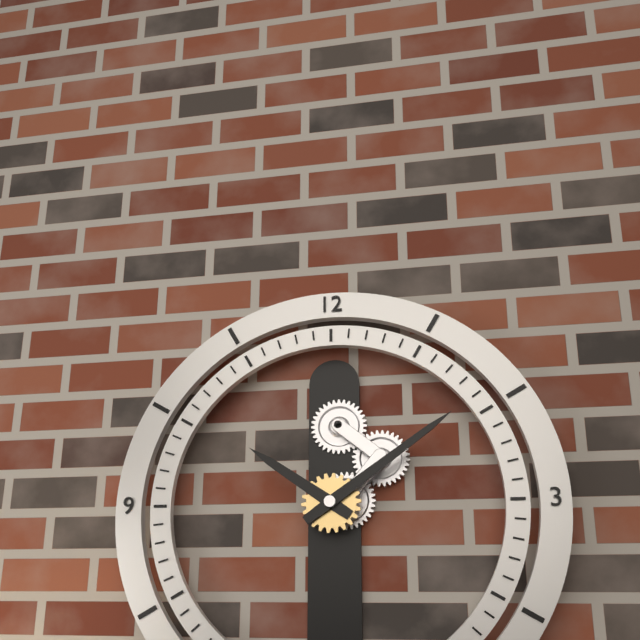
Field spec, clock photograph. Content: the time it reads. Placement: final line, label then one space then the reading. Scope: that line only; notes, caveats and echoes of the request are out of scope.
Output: 10:09
